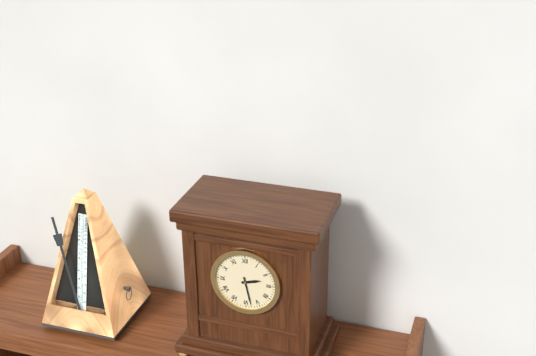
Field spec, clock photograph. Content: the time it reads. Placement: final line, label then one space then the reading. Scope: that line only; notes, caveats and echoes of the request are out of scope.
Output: 2:28
